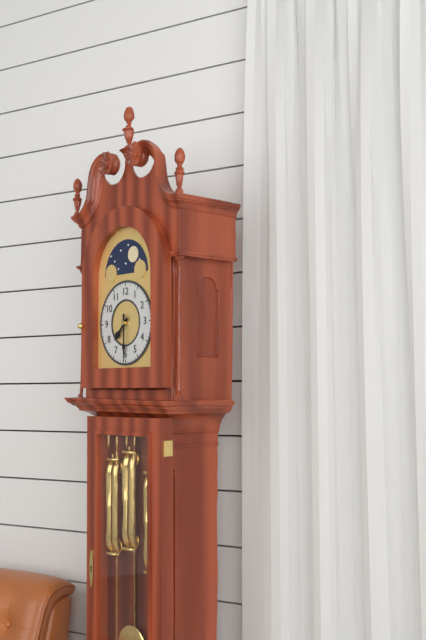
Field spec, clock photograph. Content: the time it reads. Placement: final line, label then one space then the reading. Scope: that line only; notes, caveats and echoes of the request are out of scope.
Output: 7:30
